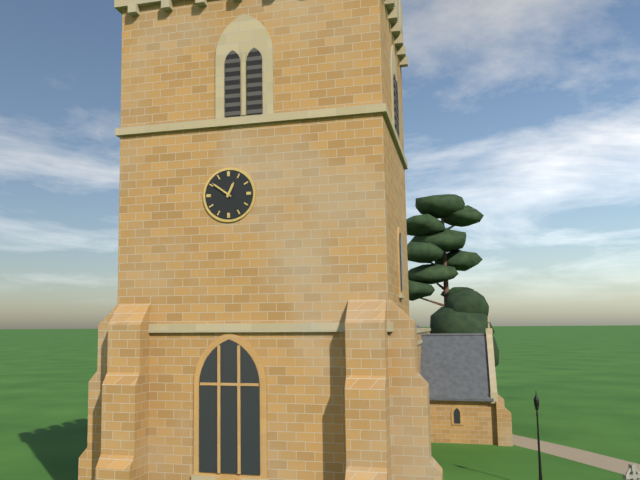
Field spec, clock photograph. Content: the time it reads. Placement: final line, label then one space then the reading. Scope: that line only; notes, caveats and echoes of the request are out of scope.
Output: 12:51
